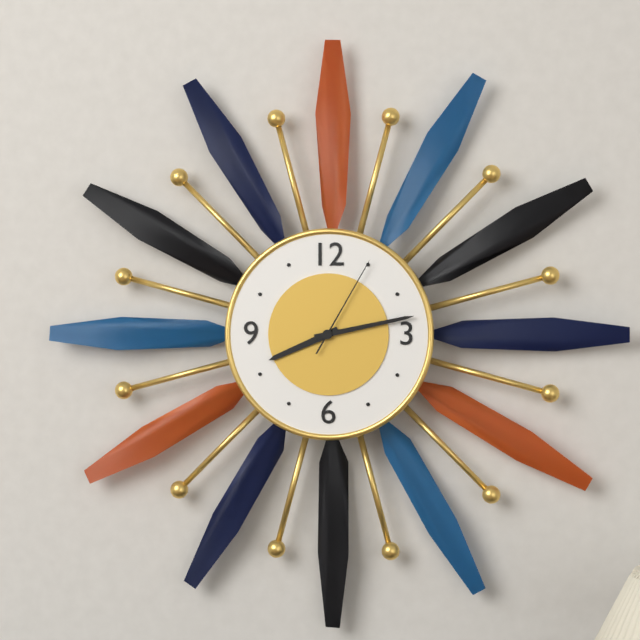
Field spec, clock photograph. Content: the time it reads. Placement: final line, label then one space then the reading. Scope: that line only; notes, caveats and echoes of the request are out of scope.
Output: 8:13:05
